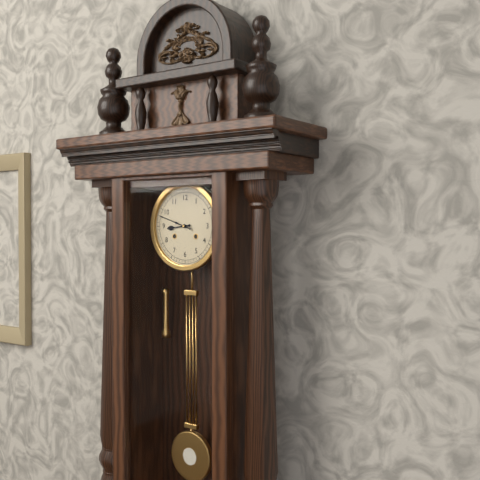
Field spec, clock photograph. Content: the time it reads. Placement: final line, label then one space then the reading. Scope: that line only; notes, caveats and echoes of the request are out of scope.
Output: 8:48
